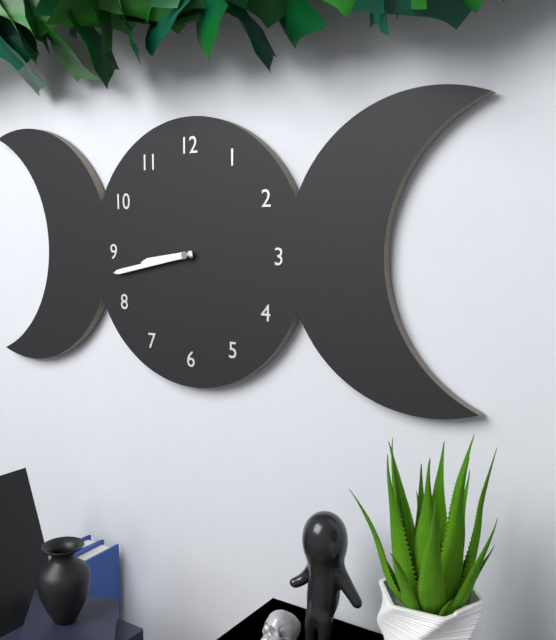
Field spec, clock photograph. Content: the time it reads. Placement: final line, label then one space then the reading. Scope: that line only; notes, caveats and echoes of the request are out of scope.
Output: 8:43
